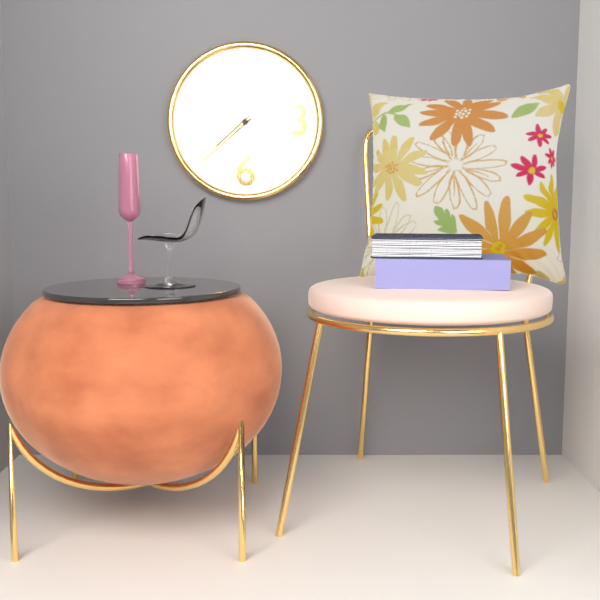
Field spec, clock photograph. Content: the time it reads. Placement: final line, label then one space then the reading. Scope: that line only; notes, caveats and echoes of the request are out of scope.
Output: 7:38
